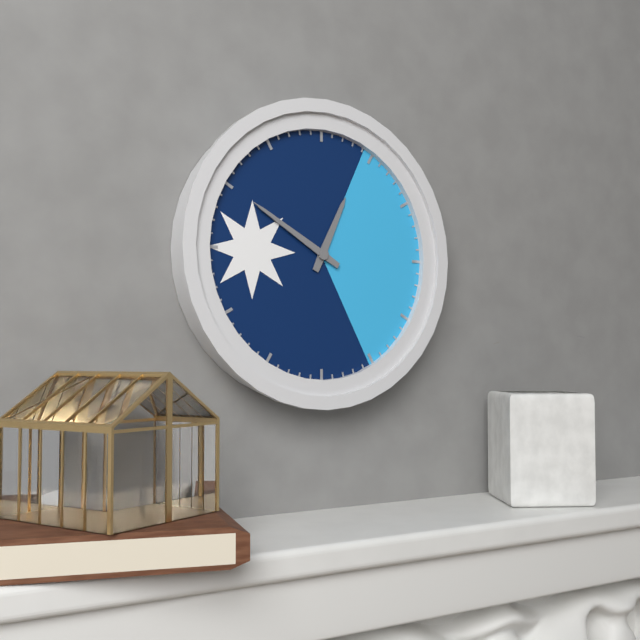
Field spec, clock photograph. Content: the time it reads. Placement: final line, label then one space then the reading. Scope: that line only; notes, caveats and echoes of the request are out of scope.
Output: 12:50
